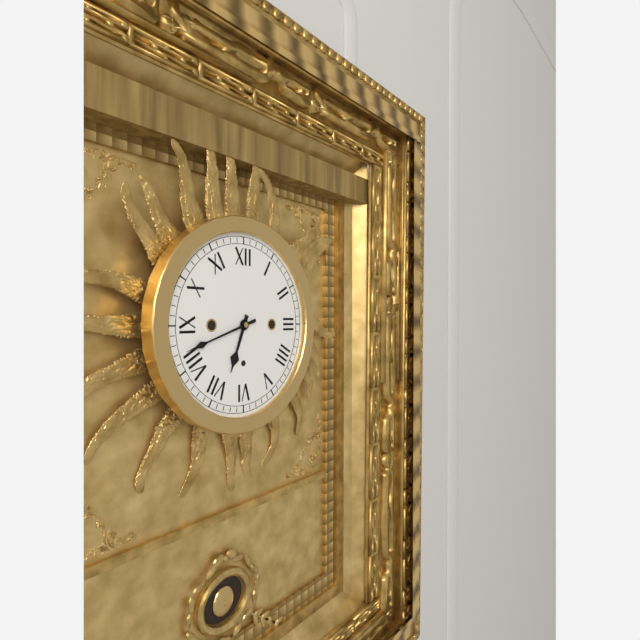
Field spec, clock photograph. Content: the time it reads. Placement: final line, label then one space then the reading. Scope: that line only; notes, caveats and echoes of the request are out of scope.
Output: 6:42
